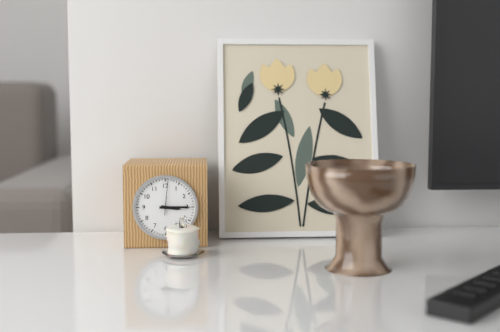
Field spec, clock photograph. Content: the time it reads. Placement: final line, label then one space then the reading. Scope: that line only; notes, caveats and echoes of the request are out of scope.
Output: 3:15
